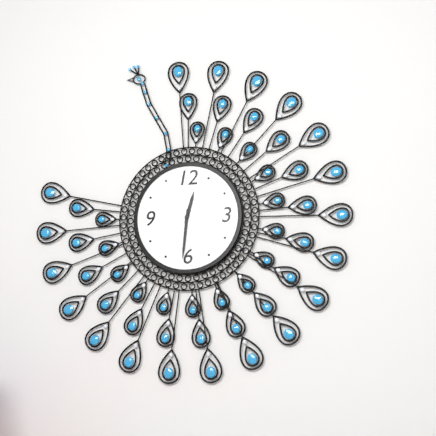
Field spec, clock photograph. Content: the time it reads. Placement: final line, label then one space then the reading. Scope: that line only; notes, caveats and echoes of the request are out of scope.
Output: 12:31
